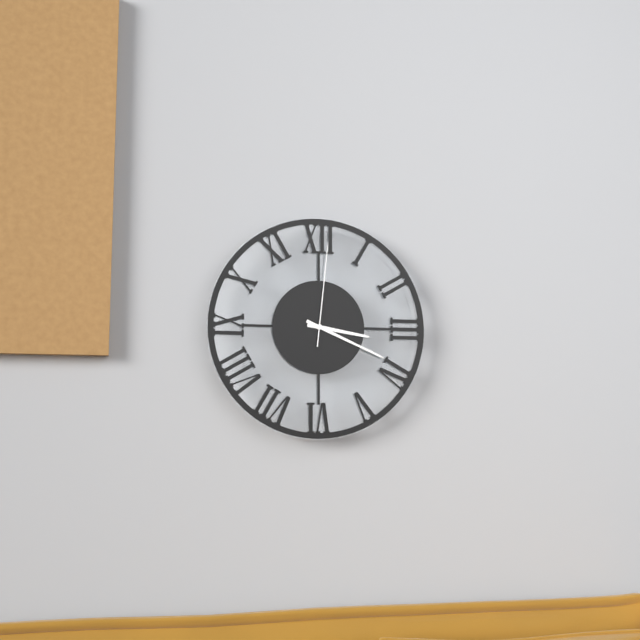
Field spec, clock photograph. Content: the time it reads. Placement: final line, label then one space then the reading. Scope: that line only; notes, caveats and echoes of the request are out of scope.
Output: 3:19:01
